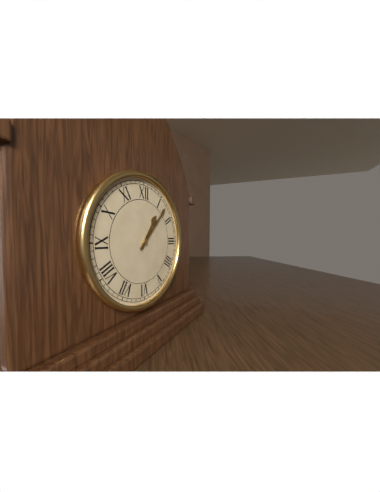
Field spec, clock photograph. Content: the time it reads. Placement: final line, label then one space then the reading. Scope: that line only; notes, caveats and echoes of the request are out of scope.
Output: 1:07
